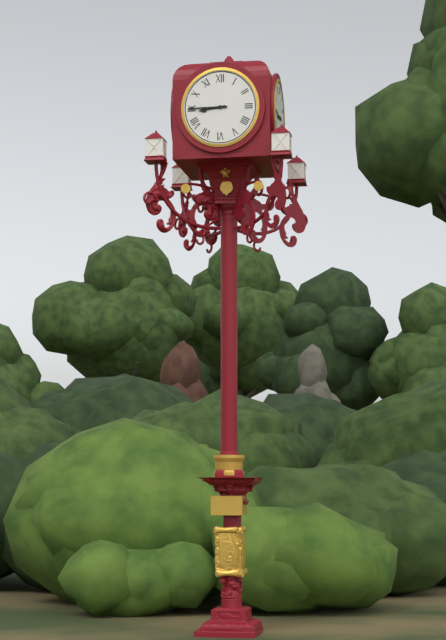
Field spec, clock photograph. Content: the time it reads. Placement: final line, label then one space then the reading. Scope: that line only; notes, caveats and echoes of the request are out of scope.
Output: 8:45
